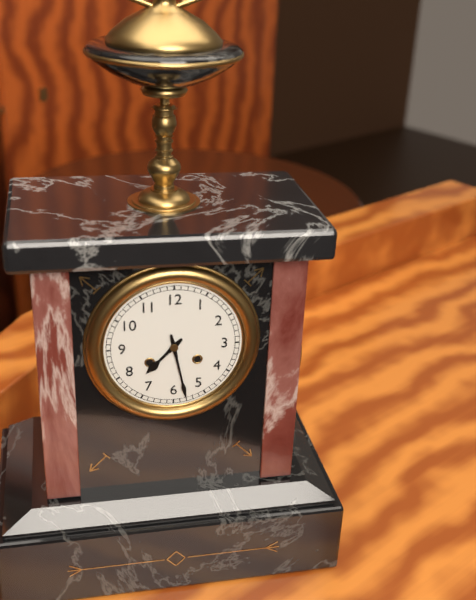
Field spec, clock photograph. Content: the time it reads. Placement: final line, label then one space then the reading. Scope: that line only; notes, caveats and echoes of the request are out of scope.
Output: 7:28
